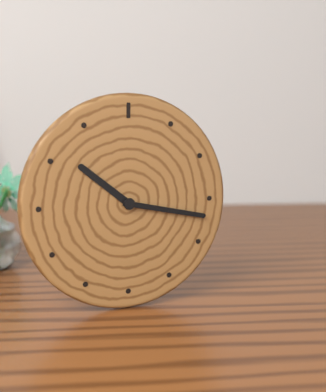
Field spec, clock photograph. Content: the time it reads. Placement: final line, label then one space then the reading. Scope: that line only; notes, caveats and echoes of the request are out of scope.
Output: 10:17
